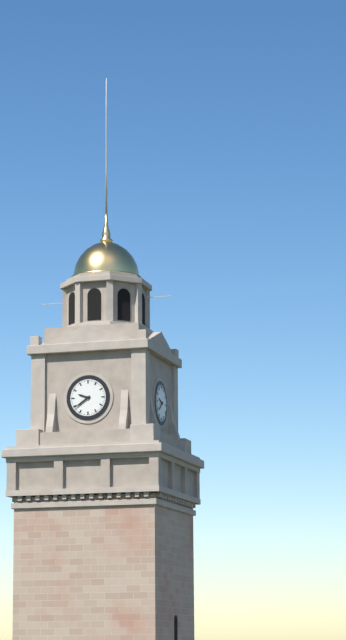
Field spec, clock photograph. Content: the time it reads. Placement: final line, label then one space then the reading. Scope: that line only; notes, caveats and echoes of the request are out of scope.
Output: 9:39
